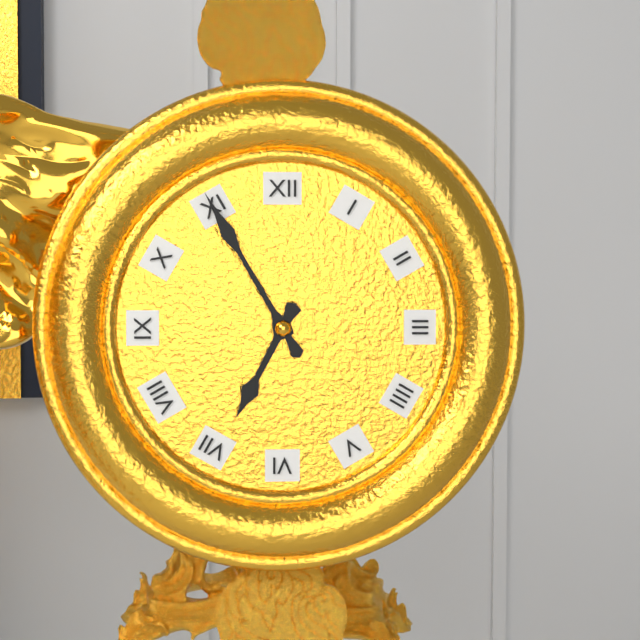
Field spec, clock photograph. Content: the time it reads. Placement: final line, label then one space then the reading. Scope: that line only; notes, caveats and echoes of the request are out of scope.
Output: 6:55
